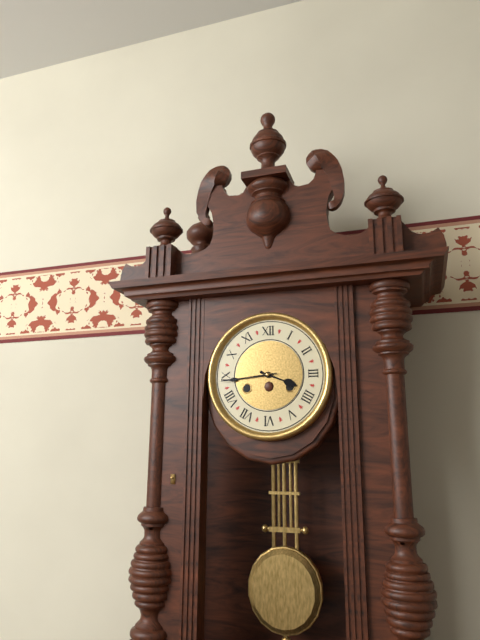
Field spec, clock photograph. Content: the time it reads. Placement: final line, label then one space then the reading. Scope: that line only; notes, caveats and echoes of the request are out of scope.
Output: 3:44
